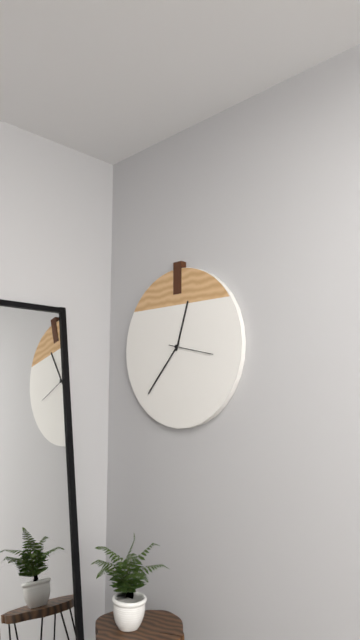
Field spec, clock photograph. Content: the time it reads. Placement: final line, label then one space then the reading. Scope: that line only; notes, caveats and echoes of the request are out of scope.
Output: 12:37
